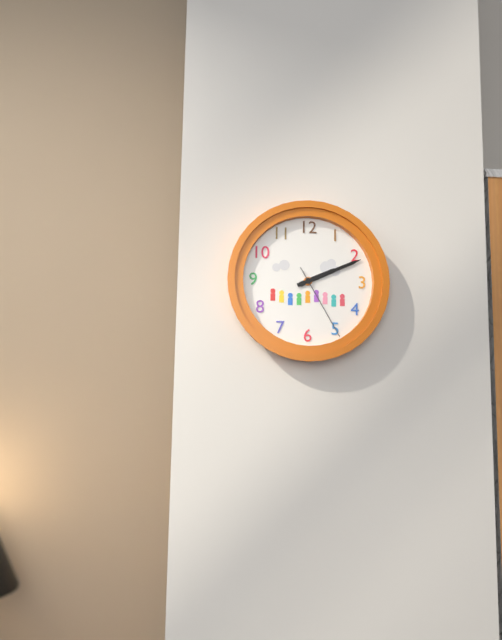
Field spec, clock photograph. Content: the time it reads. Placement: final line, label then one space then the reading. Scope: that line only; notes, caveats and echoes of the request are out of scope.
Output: 2:11:25
